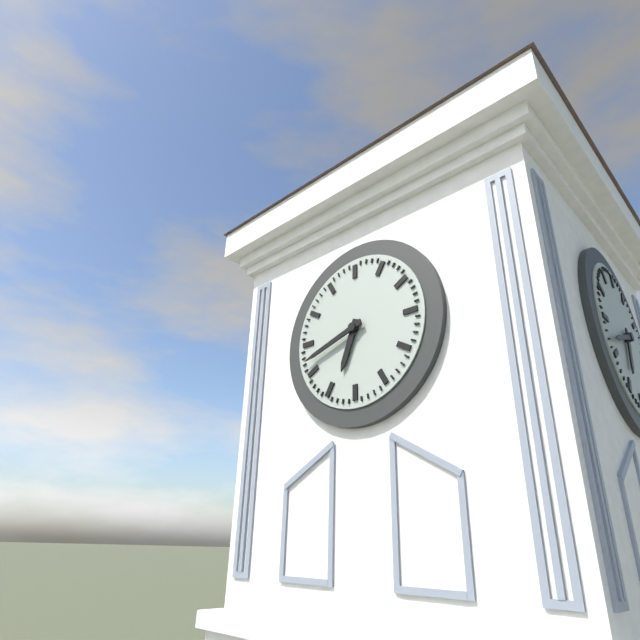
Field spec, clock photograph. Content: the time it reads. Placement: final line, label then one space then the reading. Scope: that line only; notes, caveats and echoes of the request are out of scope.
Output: 6:42
